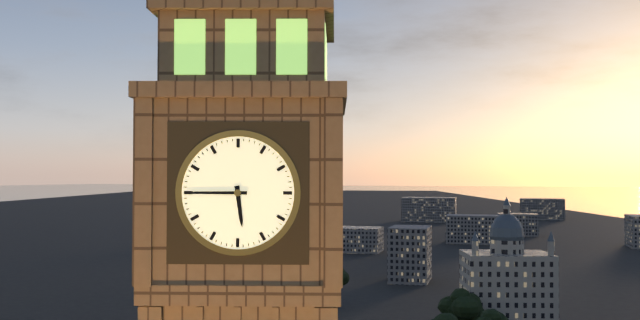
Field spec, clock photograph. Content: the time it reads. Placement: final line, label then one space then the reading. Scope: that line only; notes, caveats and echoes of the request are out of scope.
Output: 5:45
